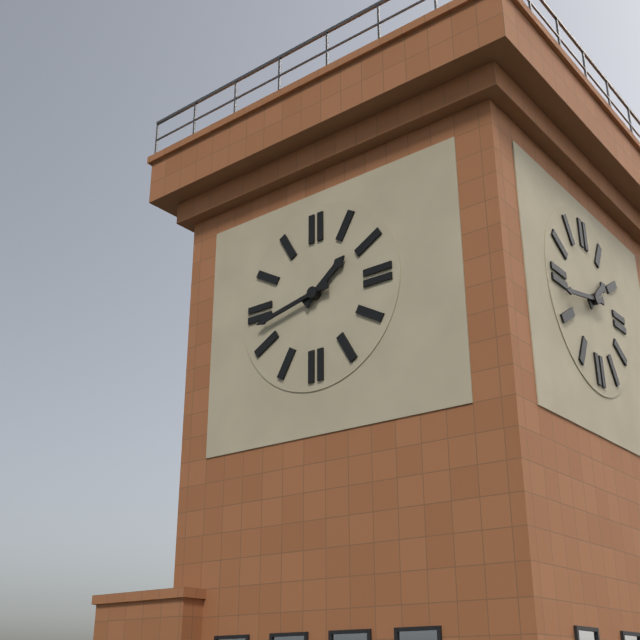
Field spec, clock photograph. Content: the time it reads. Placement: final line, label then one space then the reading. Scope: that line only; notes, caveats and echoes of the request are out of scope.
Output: 1:43
